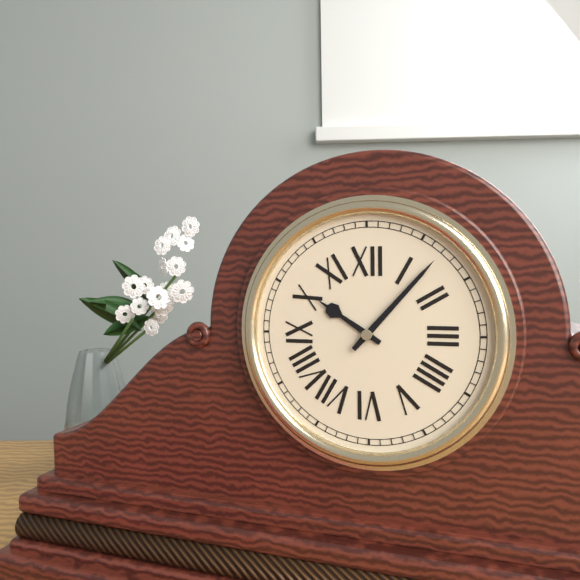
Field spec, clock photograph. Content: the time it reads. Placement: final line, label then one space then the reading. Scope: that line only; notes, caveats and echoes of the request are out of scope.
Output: 10:07
